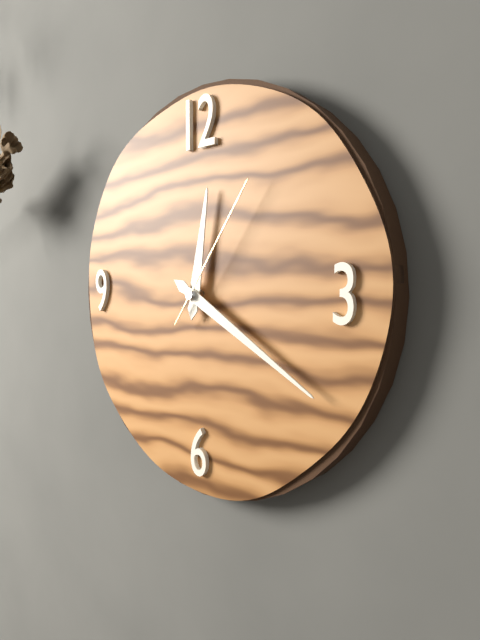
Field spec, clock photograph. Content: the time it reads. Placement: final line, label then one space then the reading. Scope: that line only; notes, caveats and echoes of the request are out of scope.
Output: 12:20:06
